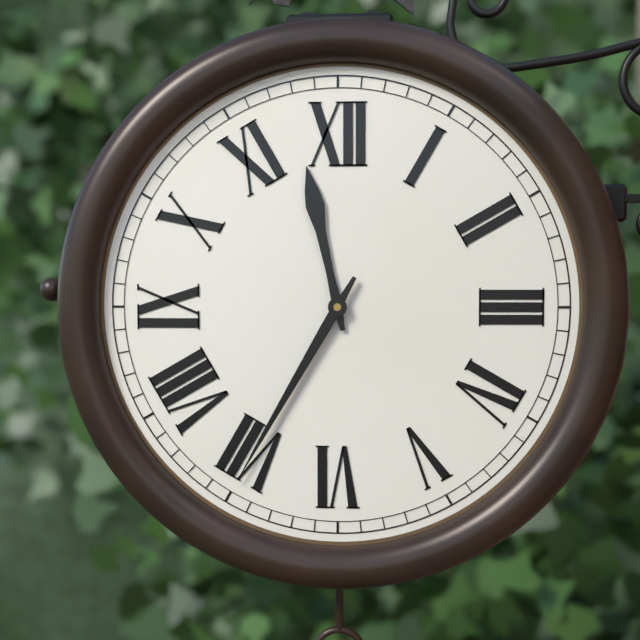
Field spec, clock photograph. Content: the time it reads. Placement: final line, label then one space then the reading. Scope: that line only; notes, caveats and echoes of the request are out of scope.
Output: 11:35
